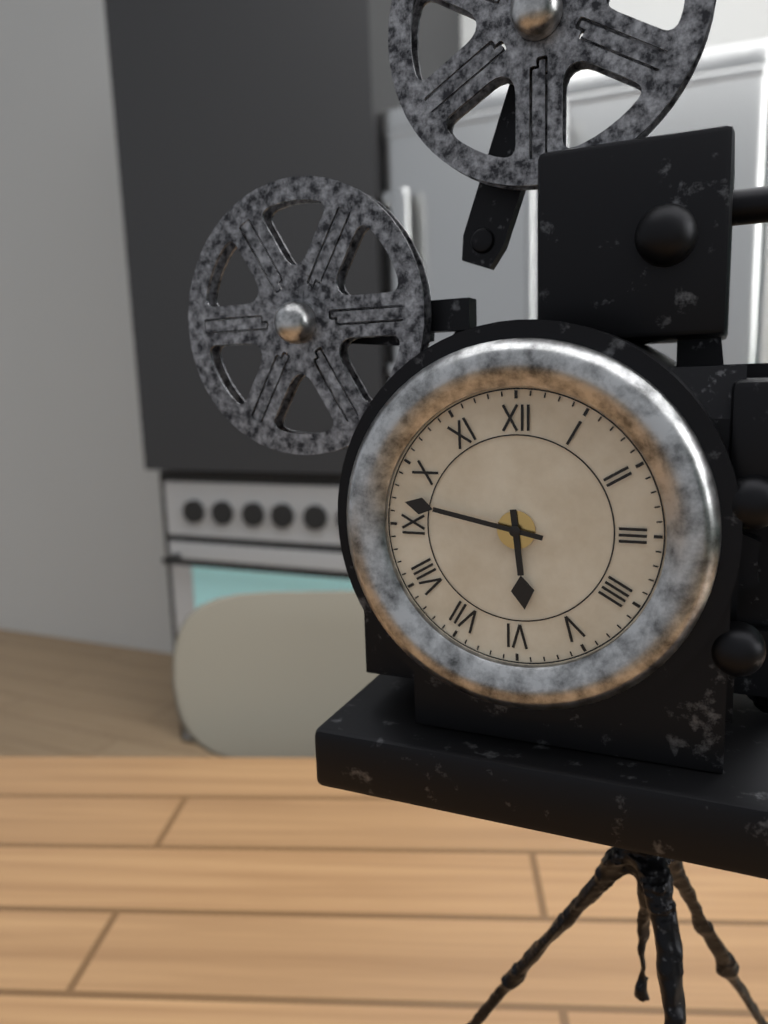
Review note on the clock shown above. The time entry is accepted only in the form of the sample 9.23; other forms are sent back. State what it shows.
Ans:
5.47
